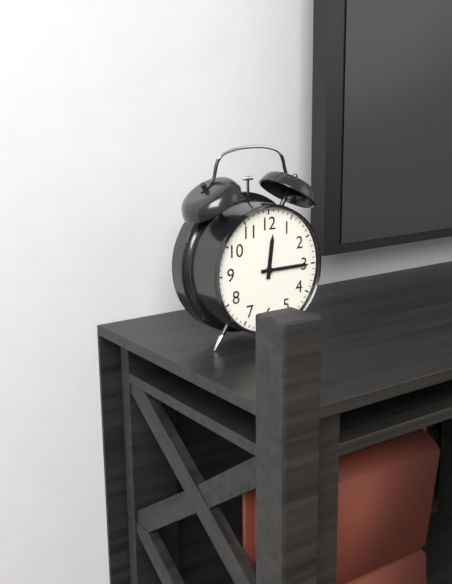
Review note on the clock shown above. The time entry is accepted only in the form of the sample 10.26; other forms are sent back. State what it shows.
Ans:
12.15
